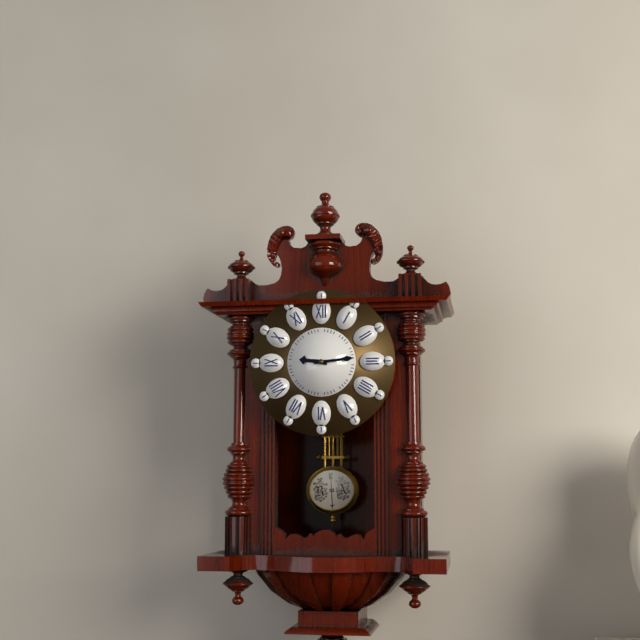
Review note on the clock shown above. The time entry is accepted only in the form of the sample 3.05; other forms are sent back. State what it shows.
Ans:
9.14
